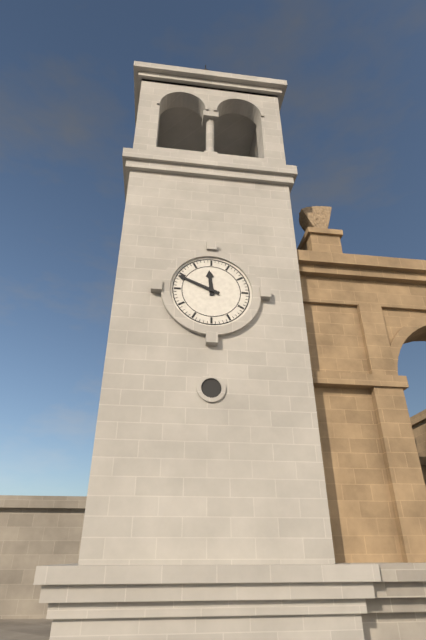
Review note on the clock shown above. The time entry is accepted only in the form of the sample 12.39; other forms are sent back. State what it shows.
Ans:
11.49
